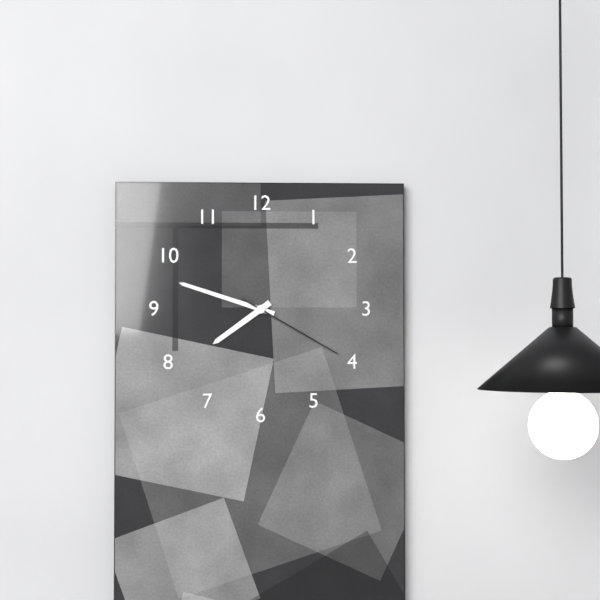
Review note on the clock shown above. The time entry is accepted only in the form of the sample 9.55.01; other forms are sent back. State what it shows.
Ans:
7.48.20
